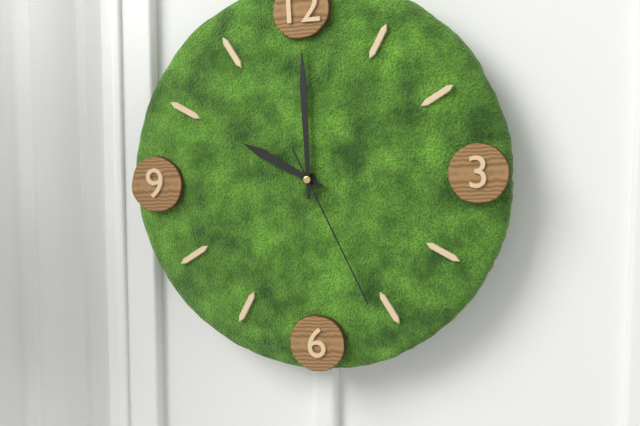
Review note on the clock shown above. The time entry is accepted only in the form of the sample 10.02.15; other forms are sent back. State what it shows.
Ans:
10.00.26
